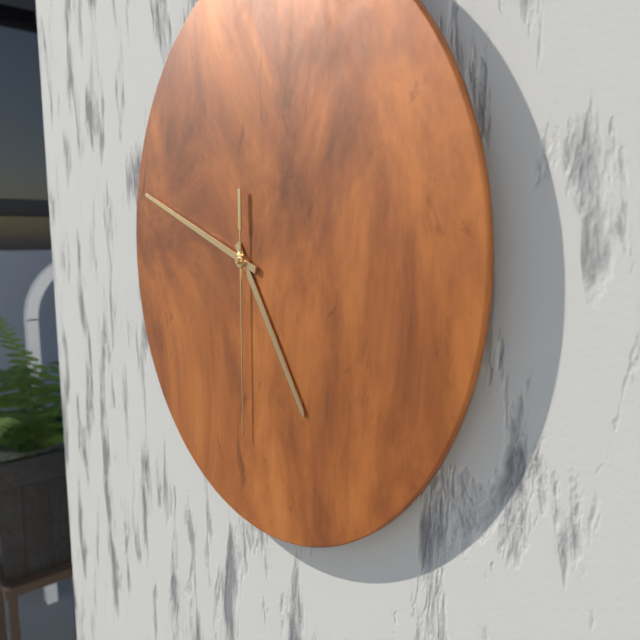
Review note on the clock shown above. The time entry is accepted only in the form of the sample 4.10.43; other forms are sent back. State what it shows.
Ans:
4.48.30
